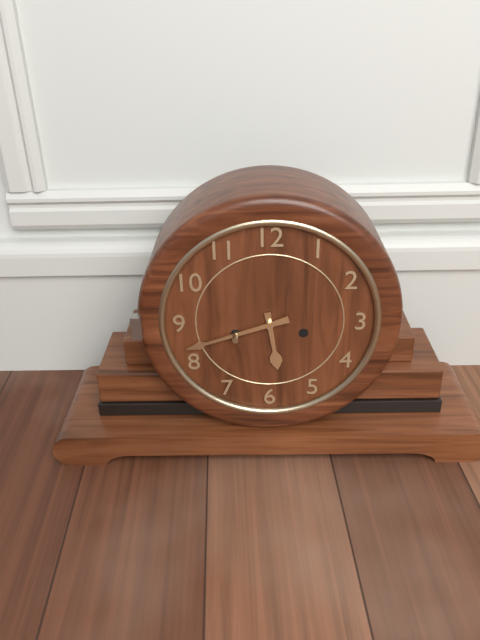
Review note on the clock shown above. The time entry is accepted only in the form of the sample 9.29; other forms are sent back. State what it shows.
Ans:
5.42
